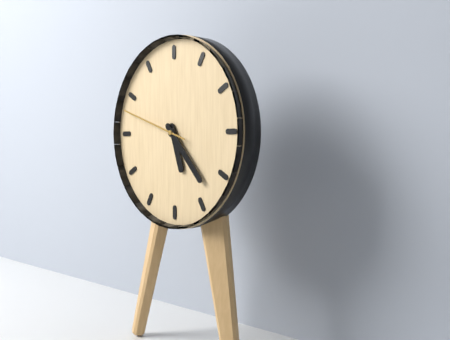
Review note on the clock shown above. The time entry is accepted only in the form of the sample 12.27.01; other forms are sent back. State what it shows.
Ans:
5.23.48
